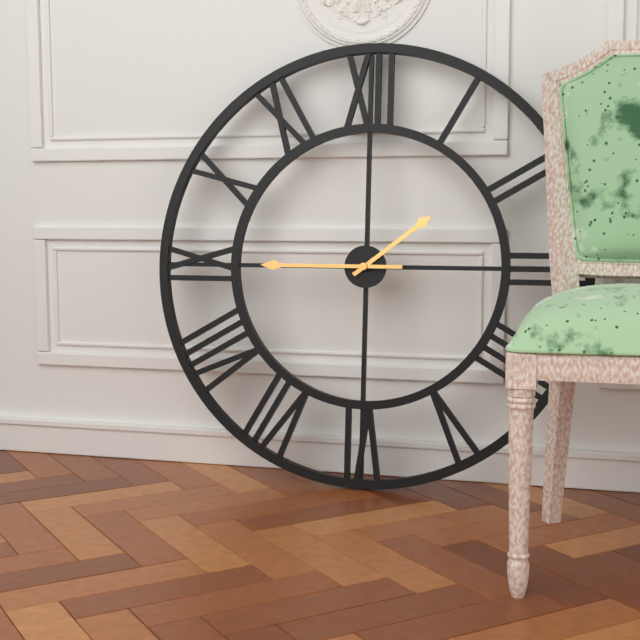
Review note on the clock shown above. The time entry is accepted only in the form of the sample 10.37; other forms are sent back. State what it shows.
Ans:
1.45
